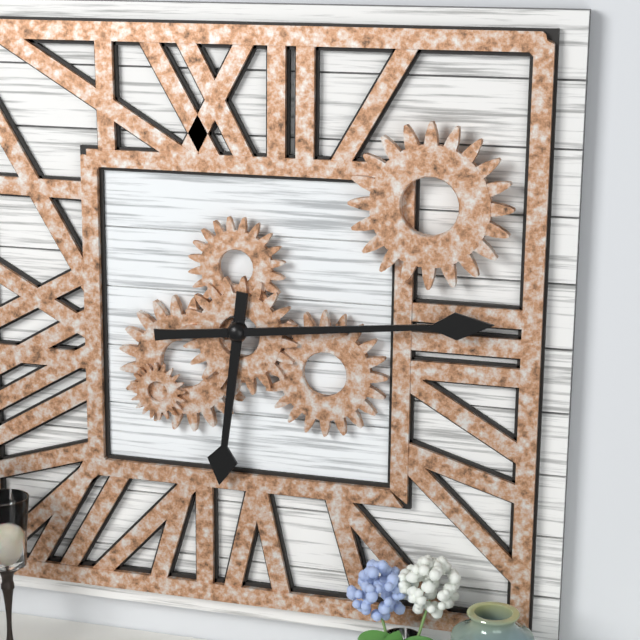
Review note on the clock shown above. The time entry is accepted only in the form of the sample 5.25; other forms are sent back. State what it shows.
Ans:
6.14
